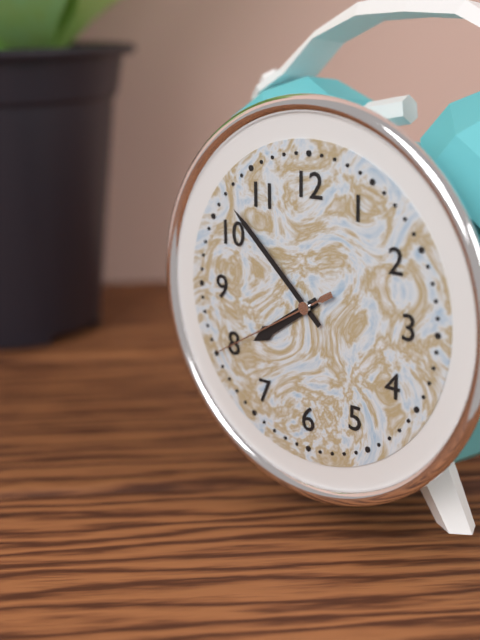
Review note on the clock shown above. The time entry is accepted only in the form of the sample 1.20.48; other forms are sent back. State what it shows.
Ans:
7.52.40
